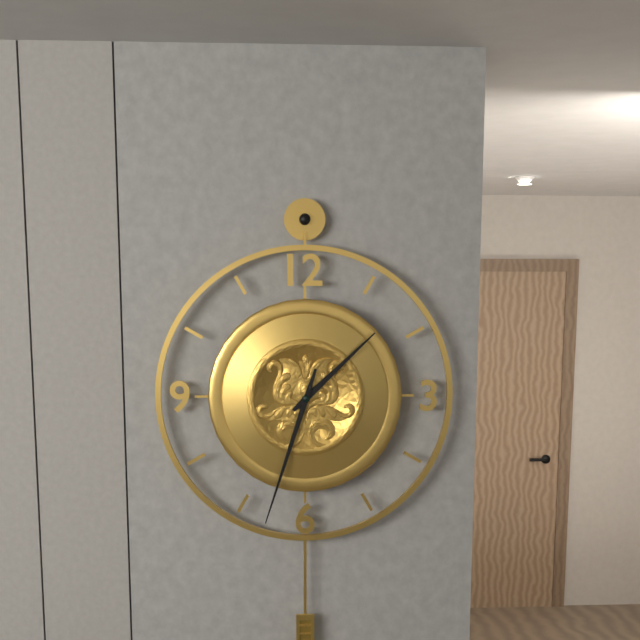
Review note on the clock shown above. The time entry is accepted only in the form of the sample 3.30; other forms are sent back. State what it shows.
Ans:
1.33
